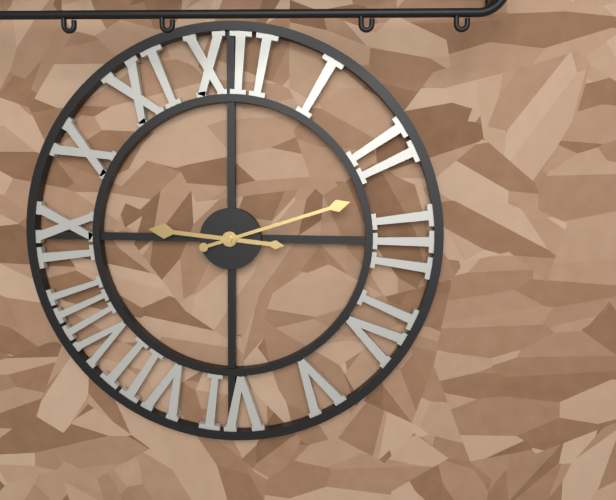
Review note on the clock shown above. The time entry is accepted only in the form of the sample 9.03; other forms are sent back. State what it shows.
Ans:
9.12
